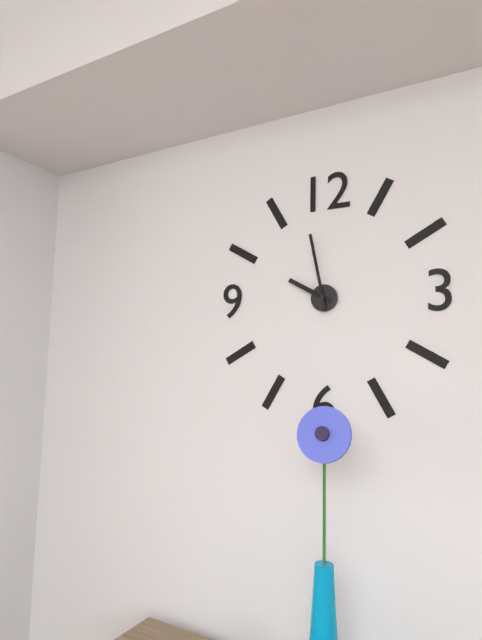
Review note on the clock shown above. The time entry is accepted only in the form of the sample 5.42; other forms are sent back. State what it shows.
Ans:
9.58
